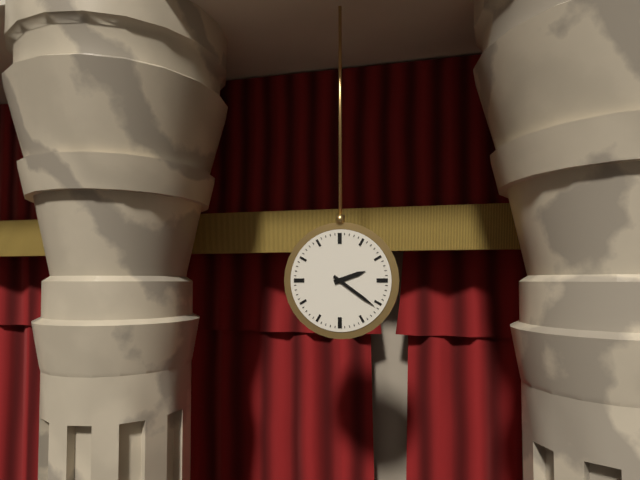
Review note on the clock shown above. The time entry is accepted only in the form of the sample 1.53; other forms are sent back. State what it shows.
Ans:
2.21
